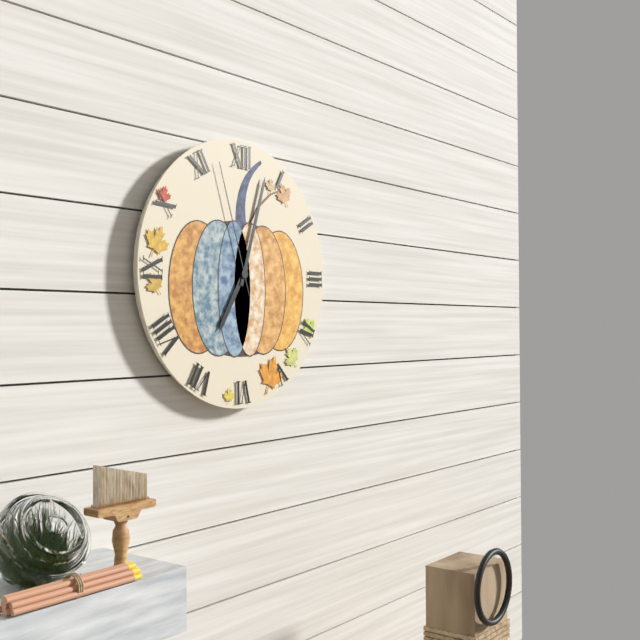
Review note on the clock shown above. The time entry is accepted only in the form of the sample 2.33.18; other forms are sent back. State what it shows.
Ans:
7.03.57
